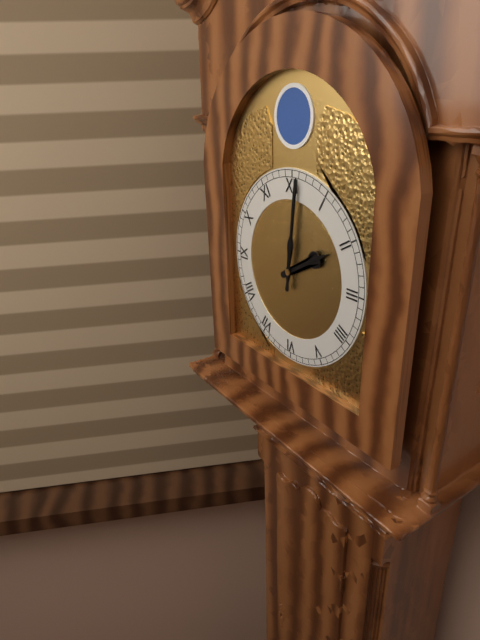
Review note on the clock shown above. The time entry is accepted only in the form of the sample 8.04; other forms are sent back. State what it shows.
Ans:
2.01
